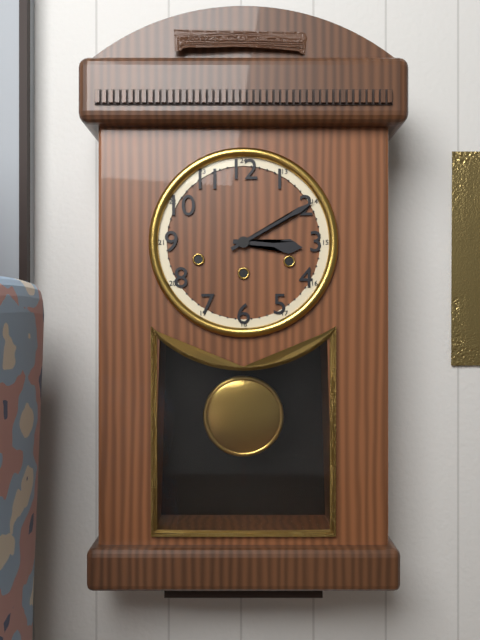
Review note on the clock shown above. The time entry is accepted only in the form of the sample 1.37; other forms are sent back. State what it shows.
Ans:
3.10
